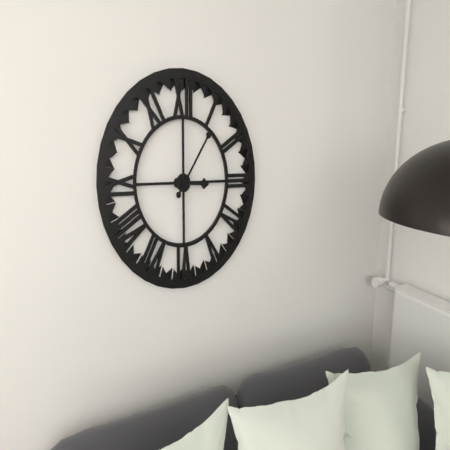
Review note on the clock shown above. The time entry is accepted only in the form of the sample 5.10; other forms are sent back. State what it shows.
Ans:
3.06
